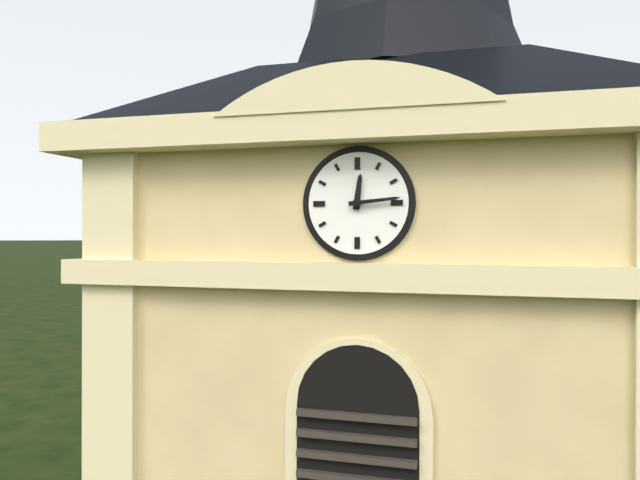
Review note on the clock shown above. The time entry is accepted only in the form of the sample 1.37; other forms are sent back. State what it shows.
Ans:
12.14
